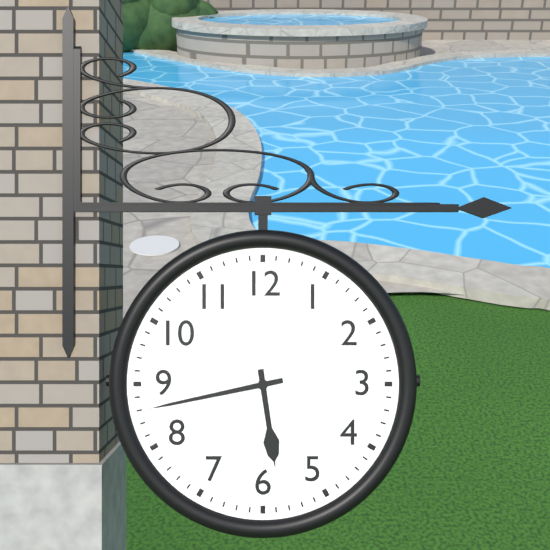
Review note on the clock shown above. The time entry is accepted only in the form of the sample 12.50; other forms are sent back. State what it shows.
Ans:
5.43
